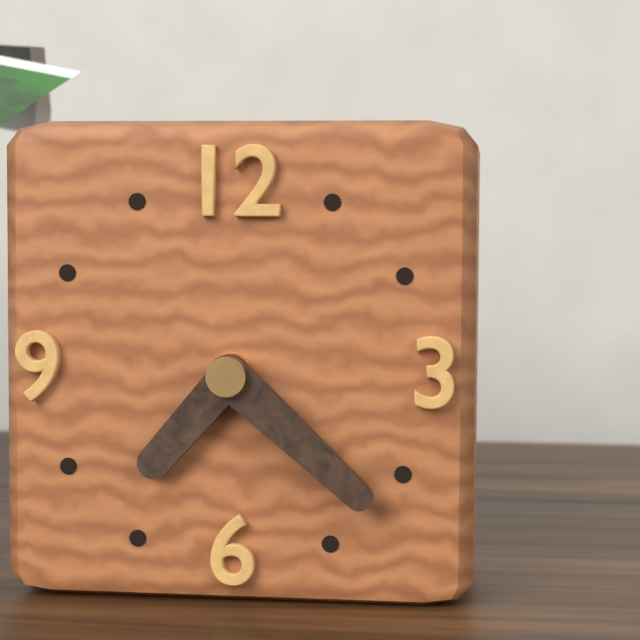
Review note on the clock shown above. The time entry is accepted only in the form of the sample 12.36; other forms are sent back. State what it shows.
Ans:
7.22
